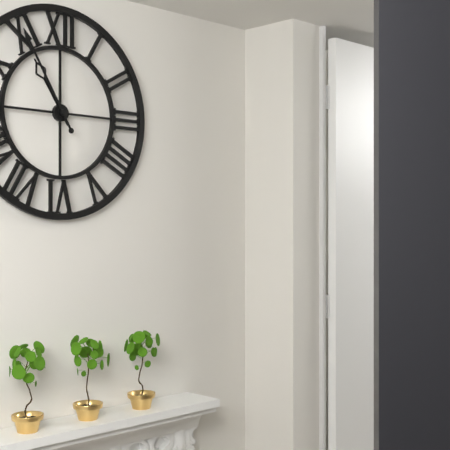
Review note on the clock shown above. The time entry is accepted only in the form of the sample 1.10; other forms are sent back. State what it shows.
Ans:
10.55
